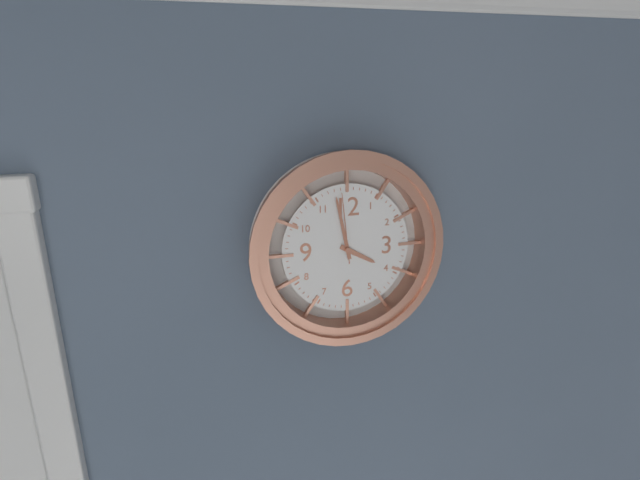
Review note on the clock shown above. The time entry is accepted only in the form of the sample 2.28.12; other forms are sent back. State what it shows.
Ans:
3.58.59
